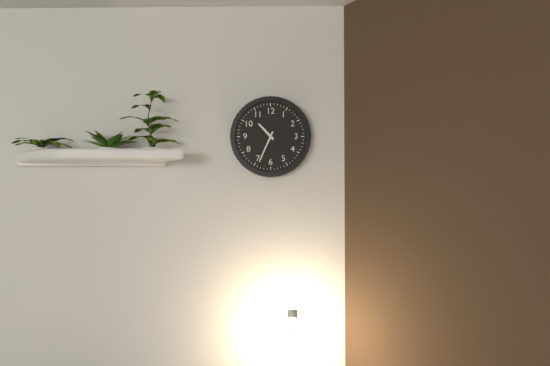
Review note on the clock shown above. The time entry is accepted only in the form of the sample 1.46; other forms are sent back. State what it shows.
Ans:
10.34
